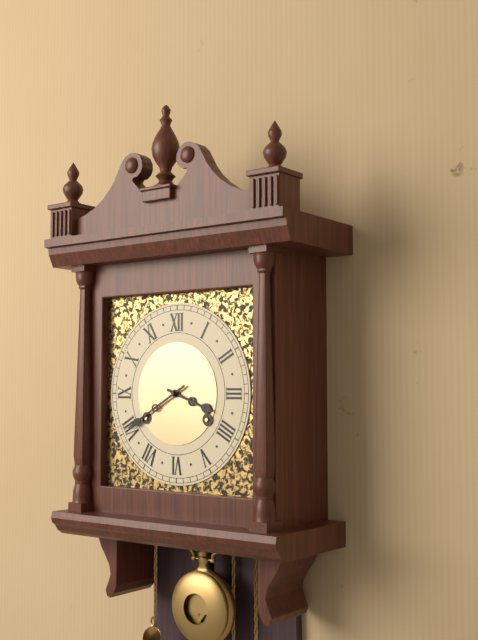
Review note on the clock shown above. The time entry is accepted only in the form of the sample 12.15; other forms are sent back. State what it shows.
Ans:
3.40
